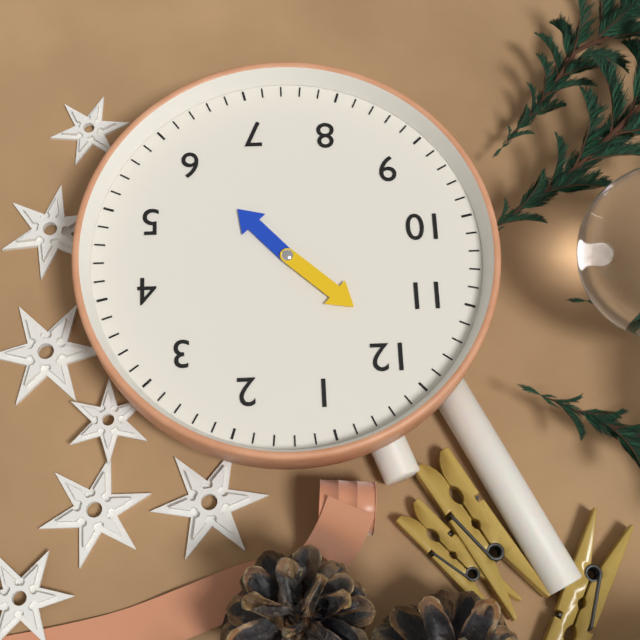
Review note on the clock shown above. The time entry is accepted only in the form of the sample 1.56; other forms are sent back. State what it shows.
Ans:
5.59
